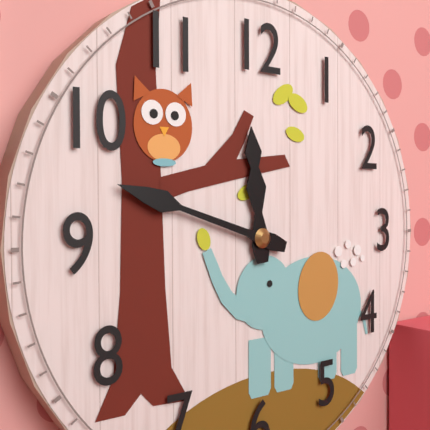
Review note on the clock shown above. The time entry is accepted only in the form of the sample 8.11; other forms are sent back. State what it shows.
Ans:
11.48
